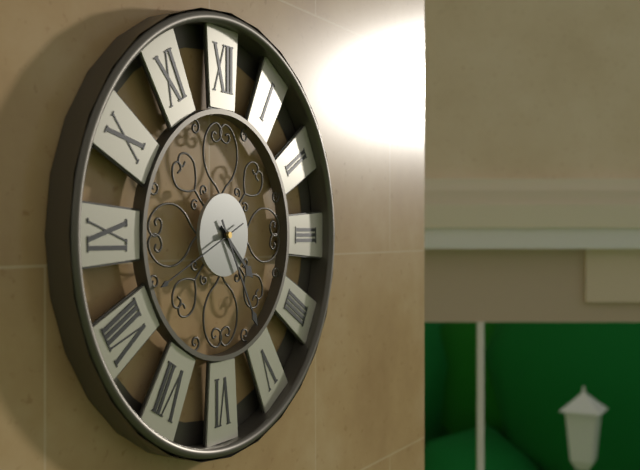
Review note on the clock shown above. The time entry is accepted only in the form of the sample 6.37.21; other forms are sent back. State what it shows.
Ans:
4.25.41
